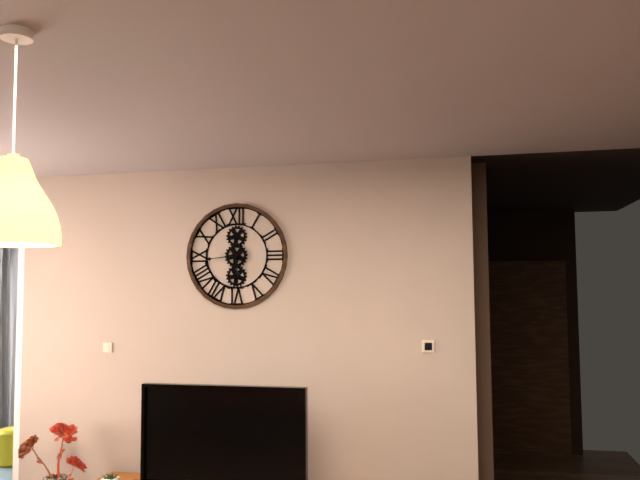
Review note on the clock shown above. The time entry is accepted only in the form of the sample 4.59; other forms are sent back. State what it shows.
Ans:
5.44
